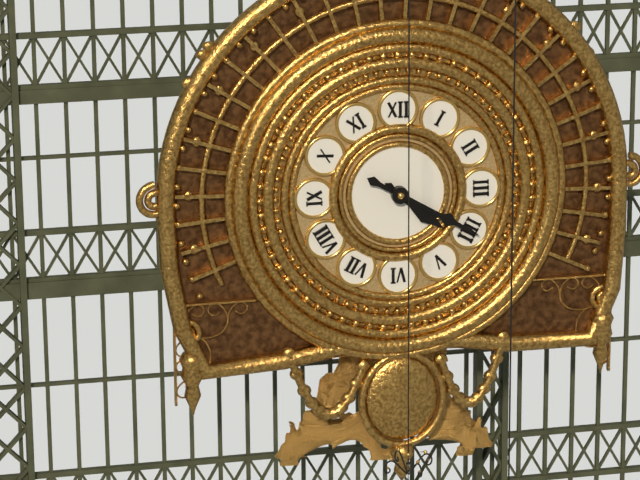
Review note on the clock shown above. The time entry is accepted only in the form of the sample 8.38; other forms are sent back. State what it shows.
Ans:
4.20
